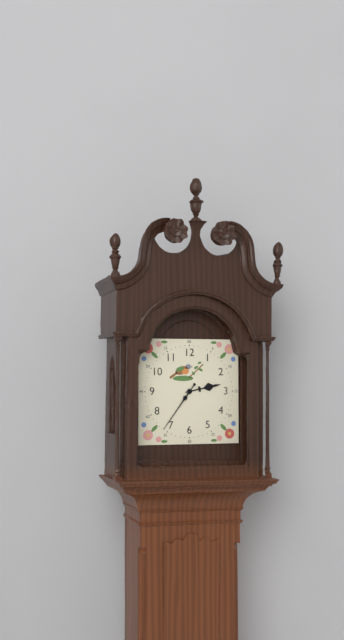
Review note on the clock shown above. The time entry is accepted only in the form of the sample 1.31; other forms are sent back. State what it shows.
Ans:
2.36
